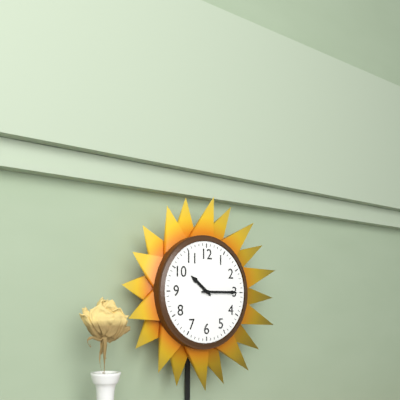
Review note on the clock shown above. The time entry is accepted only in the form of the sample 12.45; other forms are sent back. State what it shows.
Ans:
10.15
